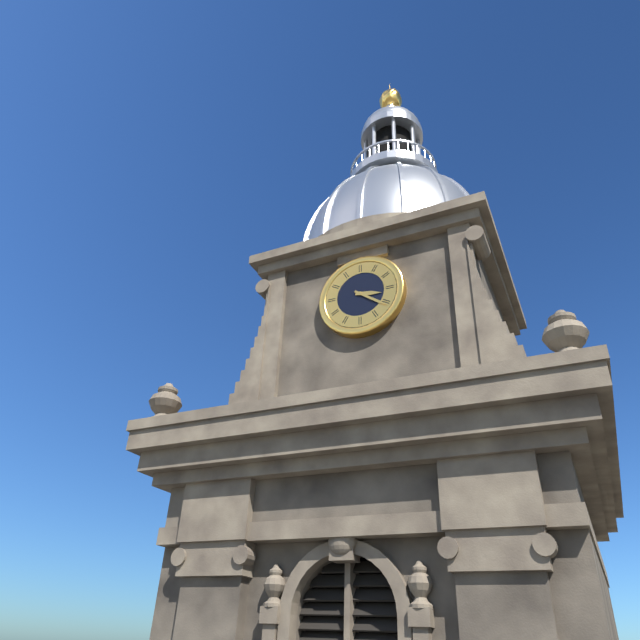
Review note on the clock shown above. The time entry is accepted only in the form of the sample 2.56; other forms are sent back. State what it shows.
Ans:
3.21
